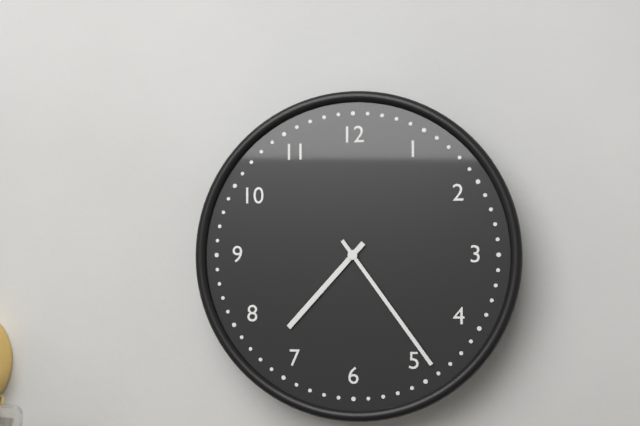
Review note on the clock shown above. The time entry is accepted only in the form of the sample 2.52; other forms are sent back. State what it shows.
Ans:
7.24
